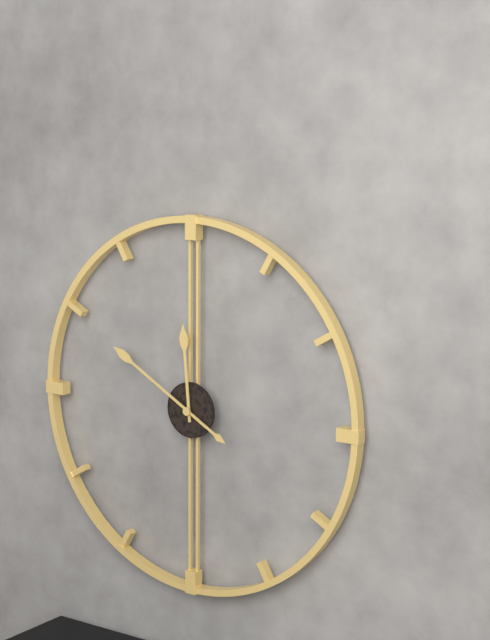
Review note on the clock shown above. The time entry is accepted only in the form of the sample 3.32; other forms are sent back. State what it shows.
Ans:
11.50
